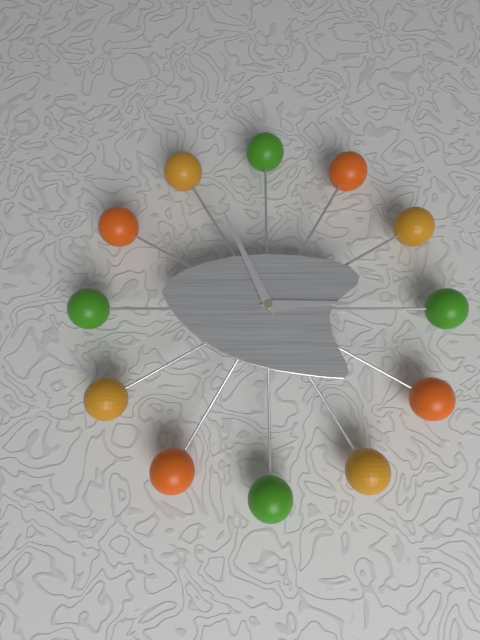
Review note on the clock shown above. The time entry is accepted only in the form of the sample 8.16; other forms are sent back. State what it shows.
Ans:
2.56
